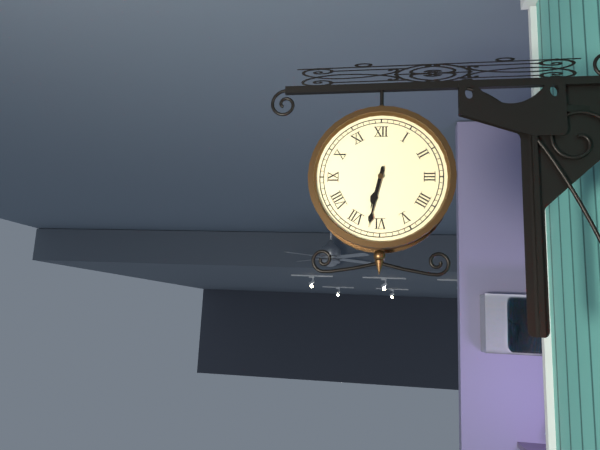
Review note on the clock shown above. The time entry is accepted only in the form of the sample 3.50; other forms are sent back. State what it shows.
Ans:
6.32
